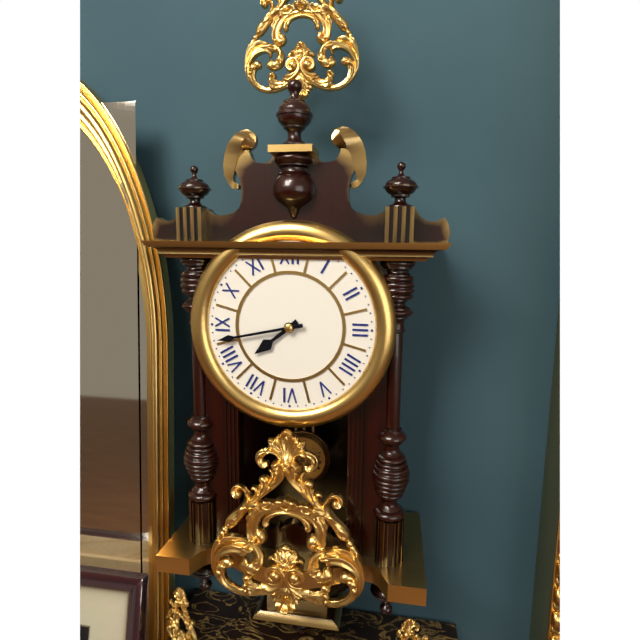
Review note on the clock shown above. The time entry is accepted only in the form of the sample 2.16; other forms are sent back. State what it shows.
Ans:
7.43
